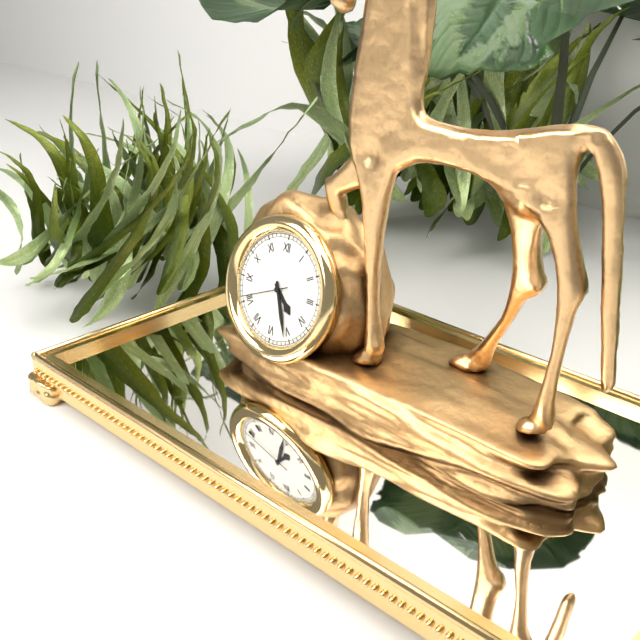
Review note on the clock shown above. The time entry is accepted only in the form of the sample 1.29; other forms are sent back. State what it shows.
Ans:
4.26
